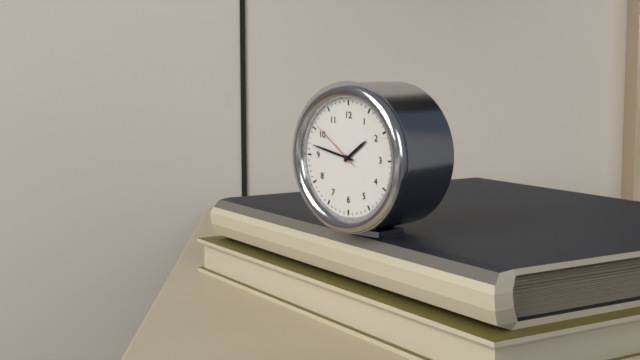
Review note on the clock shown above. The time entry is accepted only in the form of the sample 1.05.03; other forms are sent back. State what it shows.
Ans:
1.47.51
